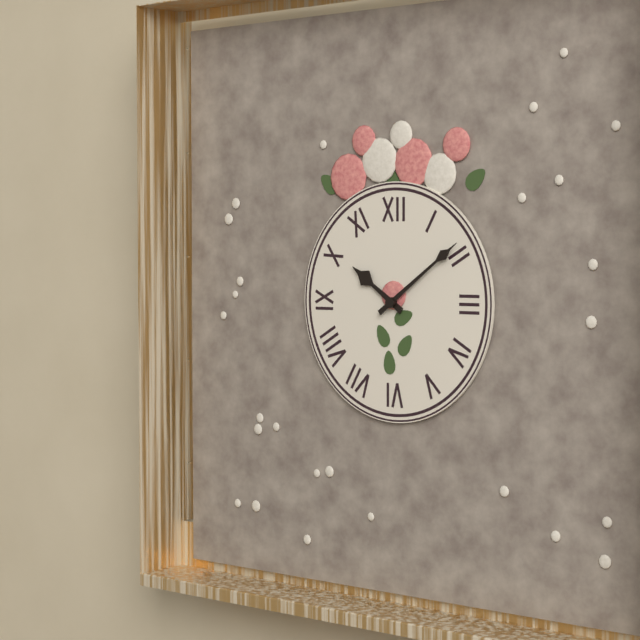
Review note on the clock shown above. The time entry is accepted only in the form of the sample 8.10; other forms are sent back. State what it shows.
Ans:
10.09
